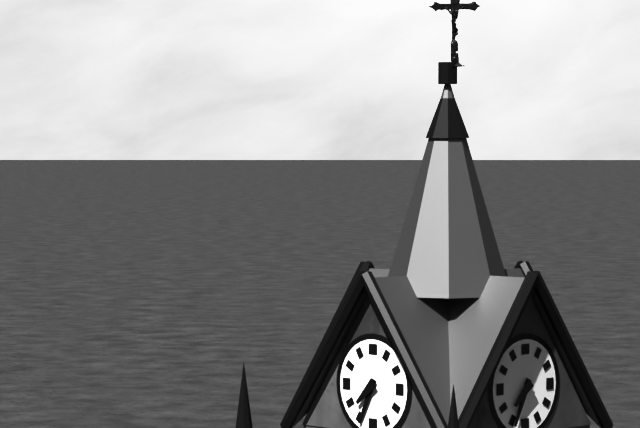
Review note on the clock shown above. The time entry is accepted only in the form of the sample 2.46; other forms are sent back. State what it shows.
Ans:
7.34
